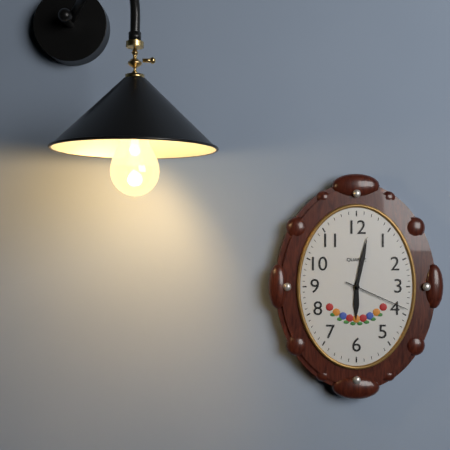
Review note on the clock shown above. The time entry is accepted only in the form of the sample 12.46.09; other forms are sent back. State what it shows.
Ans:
6.02.19
